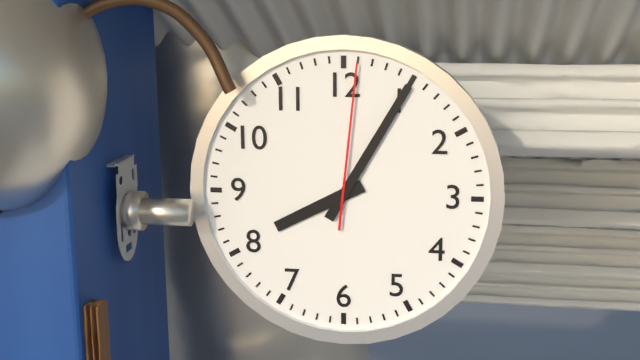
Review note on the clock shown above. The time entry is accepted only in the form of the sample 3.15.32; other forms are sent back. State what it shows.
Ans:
8.05.01
